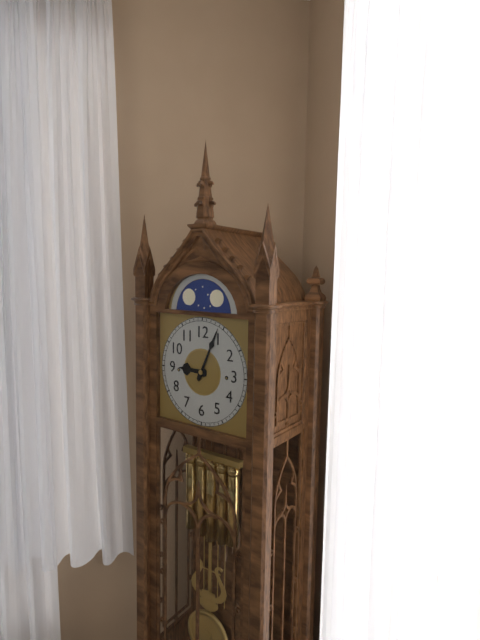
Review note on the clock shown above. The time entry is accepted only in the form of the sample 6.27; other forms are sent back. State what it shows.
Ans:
9.04
